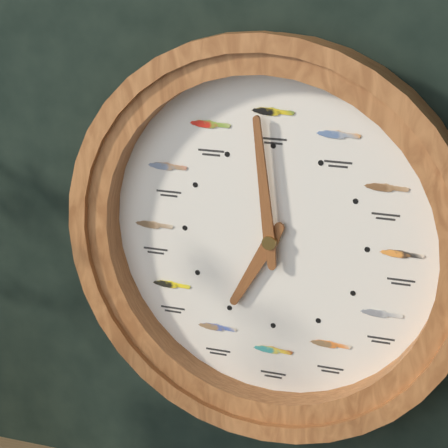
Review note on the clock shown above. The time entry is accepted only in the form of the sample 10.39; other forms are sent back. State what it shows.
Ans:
6.59
